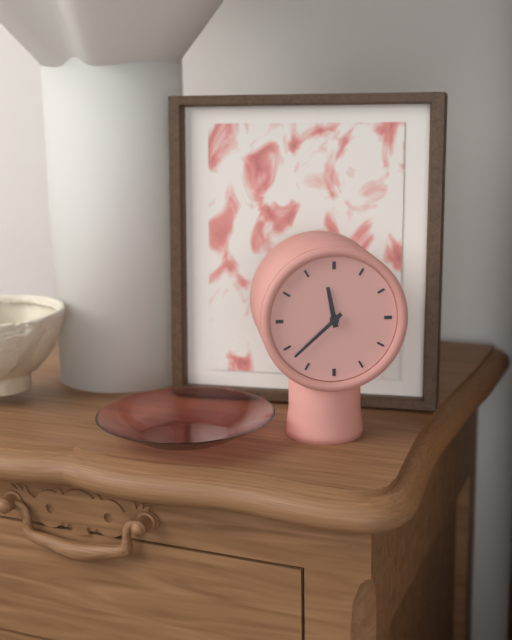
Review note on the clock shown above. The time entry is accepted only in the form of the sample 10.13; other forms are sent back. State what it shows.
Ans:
11.38
